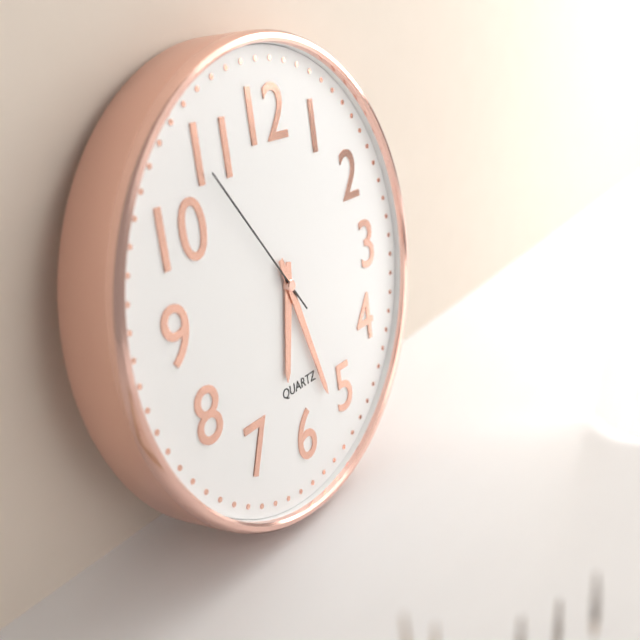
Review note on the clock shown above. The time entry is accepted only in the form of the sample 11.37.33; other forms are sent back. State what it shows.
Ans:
6.27.54
